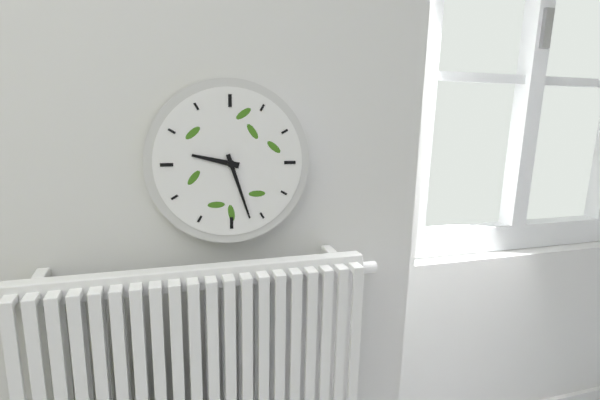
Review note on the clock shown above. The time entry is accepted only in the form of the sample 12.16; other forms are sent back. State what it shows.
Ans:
9.27
